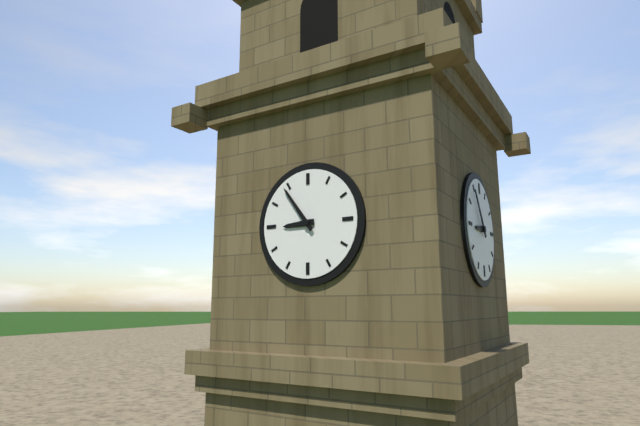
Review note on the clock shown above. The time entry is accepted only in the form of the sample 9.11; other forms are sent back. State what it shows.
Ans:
8.54
